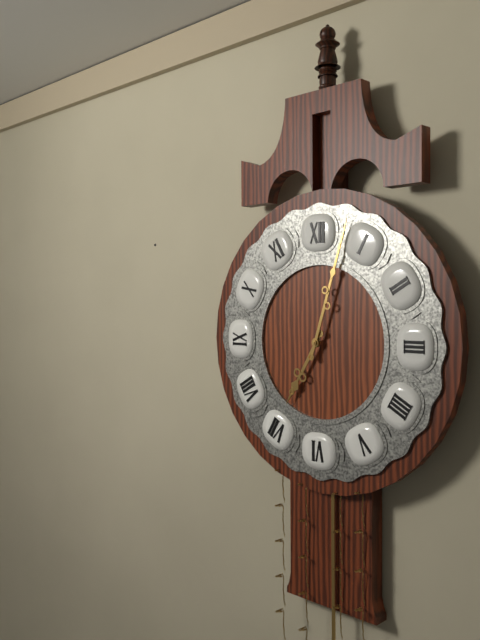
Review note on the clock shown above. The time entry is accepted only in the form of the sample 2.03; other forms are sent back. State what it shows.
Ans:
7.03
